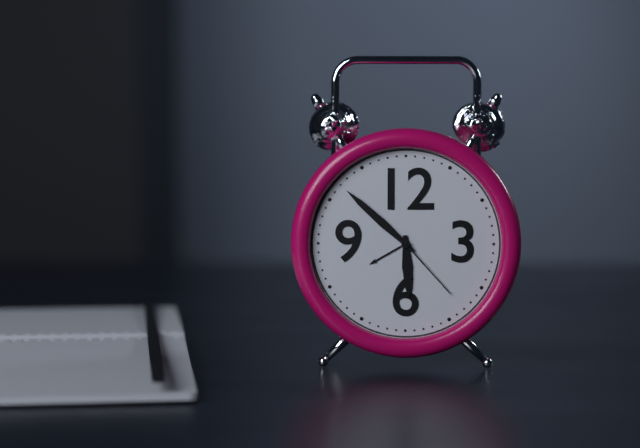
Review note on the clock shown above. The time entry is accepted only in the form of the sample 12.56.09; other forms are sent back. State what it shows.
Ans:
5.52.23
